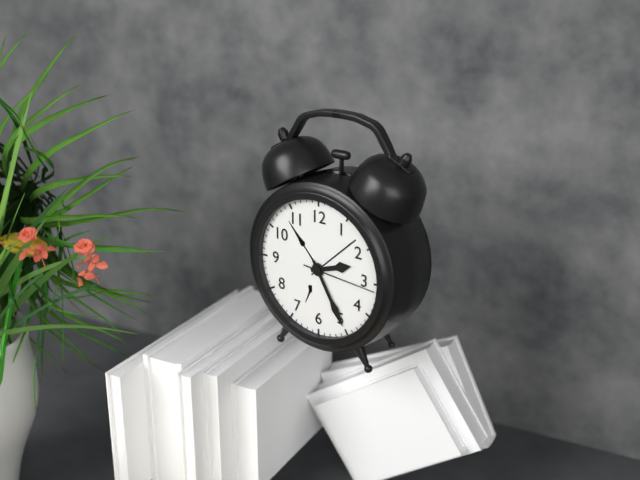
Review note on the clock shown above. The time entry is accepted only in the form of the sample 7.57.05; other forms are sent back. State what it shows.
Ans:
2.25.16
